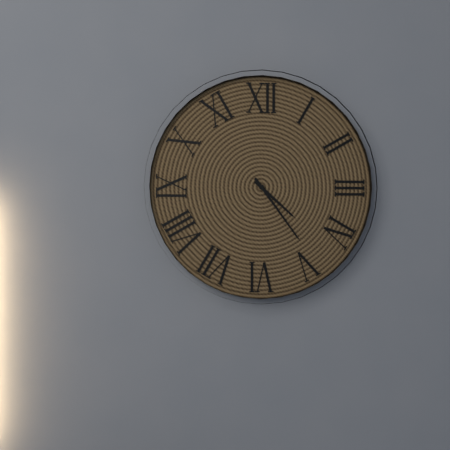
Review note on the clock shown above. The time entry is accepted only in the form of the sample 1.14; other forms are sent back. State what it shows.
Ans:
4.24
